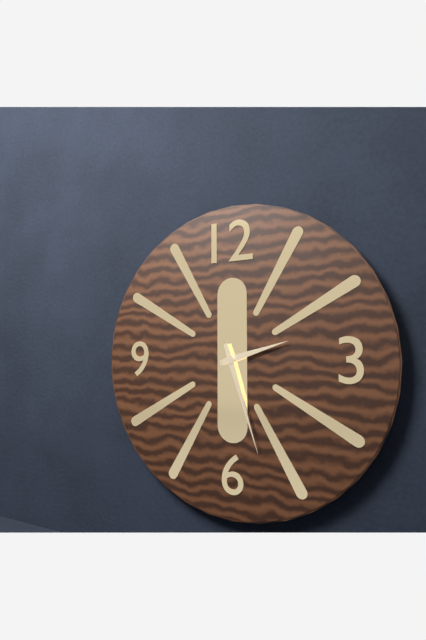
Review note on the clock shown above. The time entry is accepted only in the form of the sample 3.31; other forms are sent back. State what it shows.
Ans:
2.27
